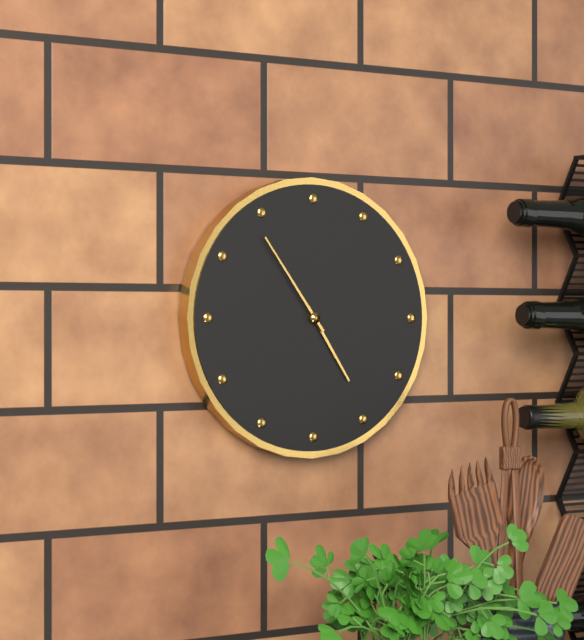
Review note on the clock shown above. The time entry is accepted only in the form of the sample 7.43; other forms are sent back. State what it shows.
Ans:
4.54
